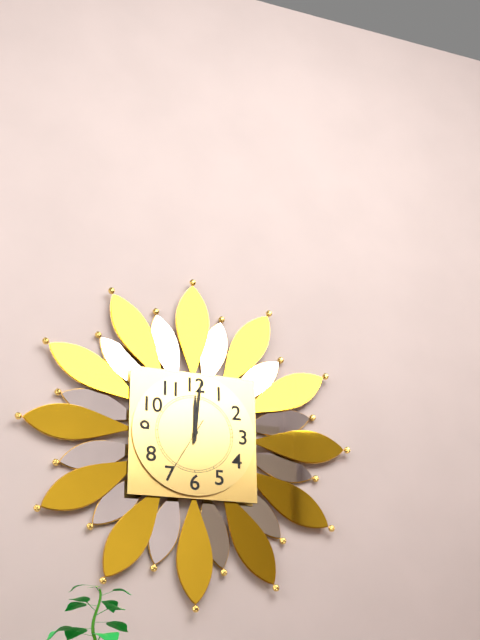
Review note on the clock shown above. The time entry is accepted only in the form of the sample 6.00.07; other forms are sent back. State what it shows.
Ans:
12.01.35
